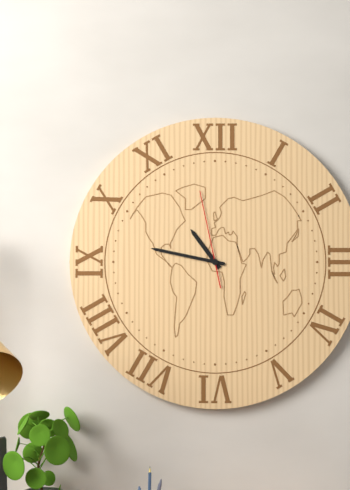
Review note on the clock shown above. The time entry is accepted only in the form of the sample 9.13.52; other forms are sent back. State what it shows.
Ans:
10.47.58
